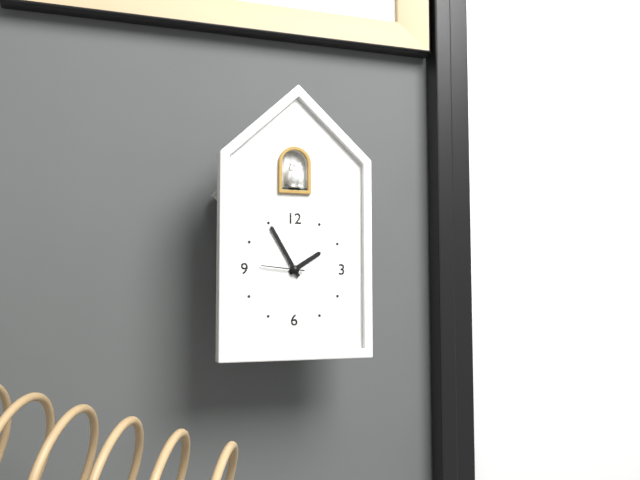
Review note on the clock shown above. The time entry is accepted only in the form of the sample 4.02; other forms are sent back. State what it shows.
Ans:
1.55
